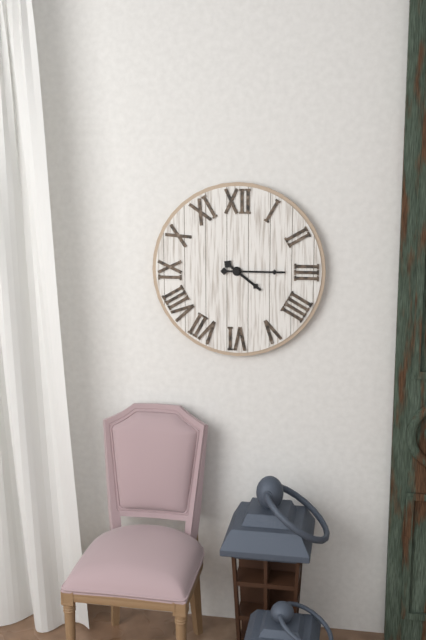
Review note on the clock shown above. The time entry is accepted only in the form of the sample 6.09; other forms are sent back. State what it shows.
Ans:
4.15
